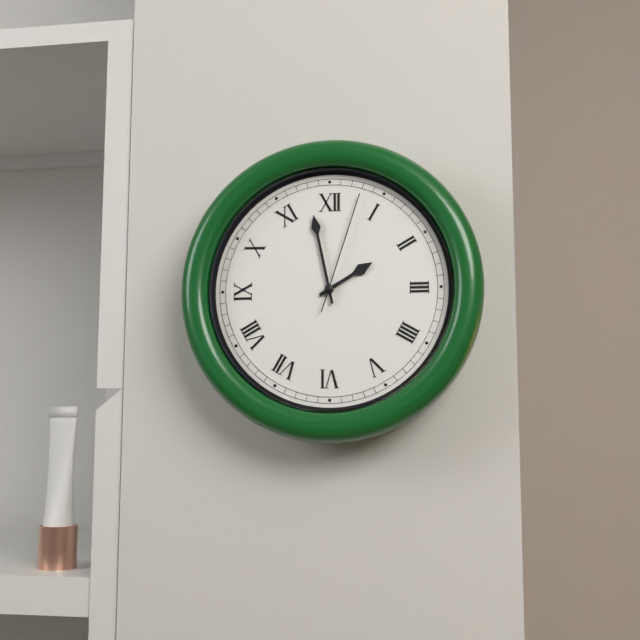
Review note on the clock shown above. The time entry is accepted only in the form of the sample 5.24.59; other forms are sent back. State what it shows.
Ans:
1.58.03
